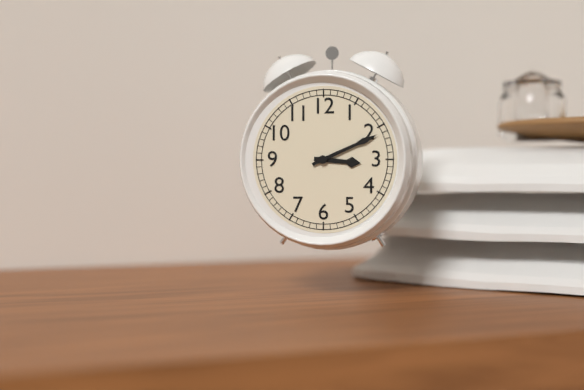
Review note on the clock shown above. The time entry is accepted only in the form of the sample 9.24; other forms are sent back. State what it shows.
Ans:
3.11
